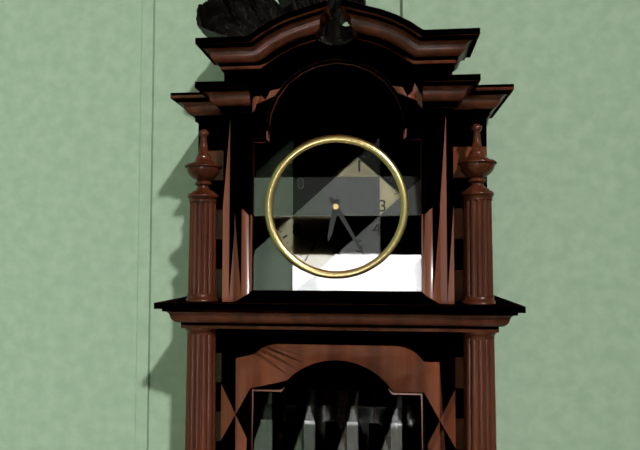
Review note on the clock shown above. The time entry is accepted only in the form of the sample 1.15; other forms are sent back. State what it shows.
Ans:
6.25
